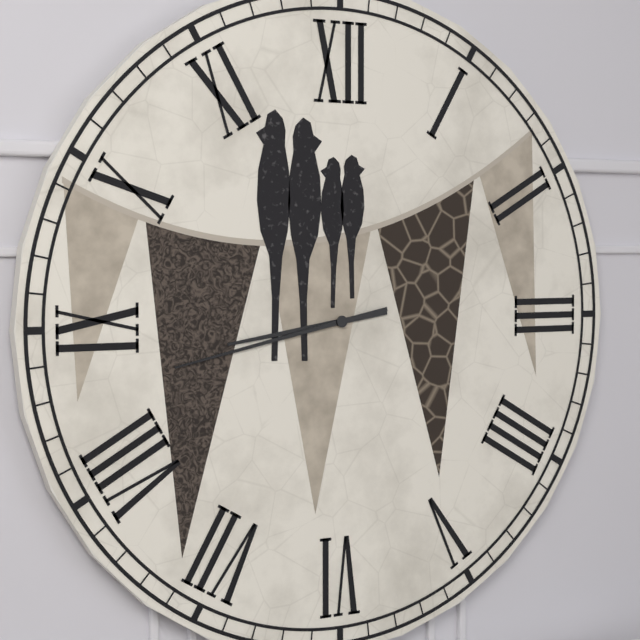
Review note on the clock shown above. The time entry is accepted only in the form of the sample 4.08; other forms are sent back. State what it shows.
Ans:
8.43
